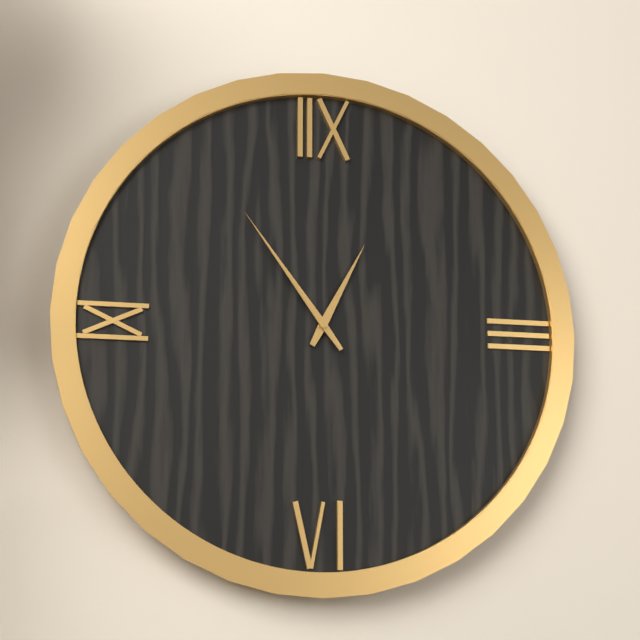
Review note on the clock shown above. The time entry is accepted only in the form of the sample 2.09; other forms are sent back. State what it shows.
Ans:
12.54
